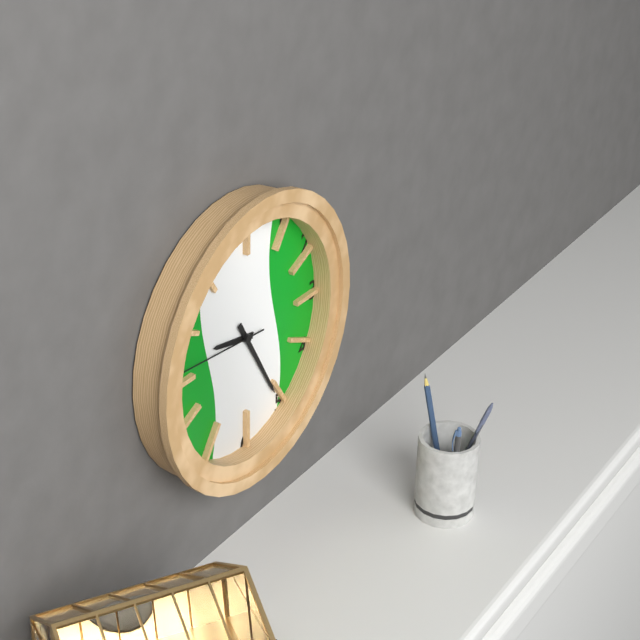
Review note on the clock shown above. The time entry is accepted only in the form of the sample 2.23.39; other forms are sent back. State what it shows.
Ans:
9.25.46
